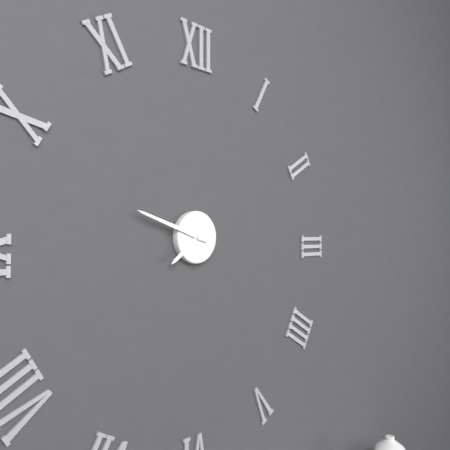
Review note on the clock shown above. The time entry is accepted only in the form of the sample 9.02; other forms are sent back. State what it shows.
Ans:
7.48
